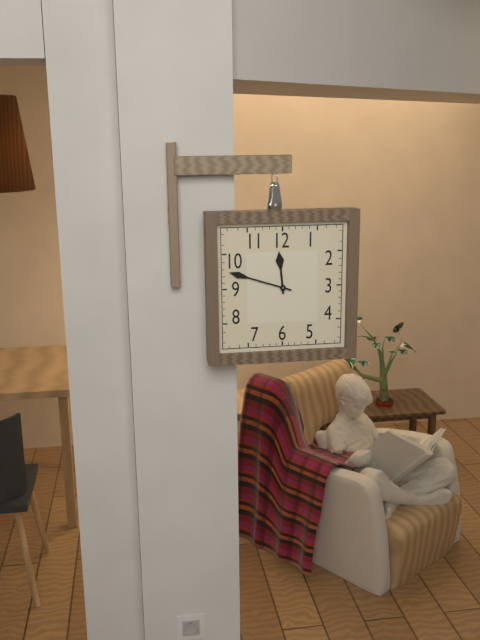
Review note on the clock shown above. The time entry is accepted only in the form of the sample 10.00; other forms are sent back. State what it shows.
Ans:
11.48
